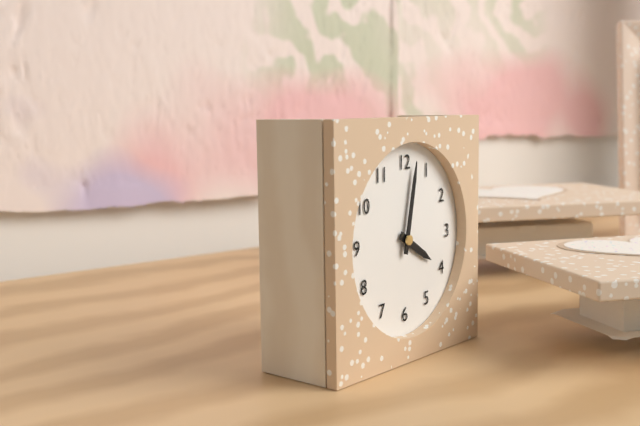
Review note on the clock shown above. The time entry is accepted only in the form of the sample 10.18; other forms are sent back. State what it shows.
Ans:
4.02
